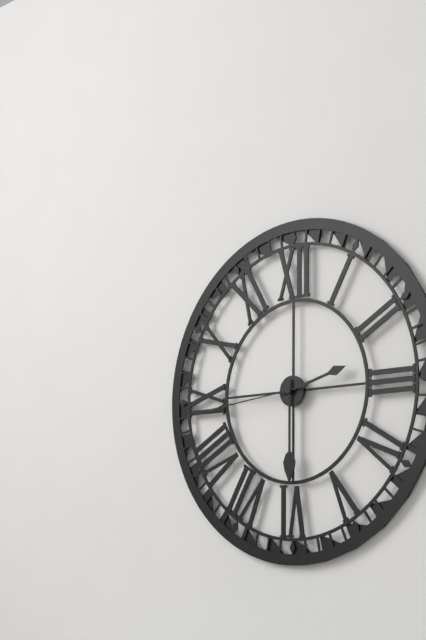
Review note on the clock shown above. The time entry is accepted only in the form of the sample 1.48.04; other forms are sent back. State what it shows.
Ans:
2.30.44
